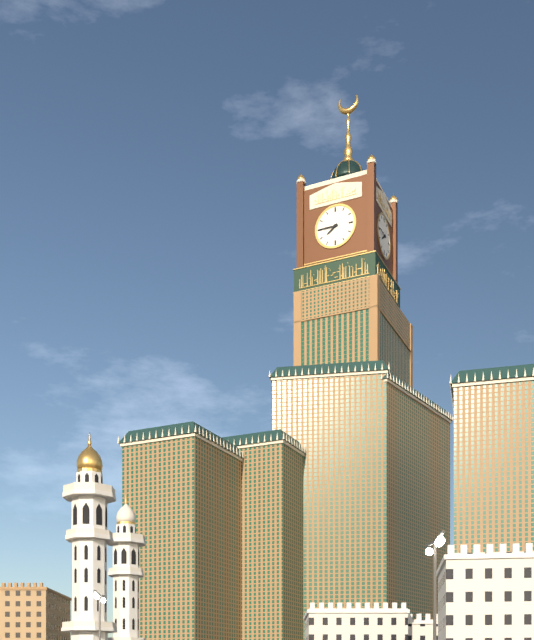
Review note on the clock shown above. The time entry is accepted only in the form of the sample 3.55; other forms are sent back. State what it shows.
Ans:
7.45
